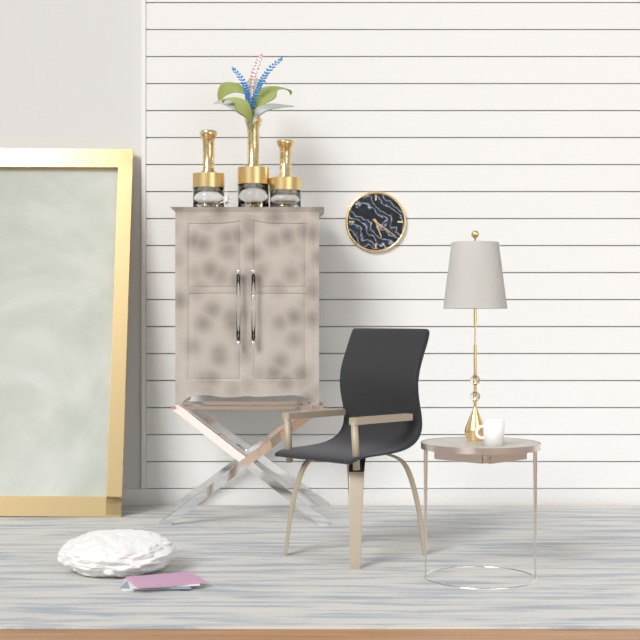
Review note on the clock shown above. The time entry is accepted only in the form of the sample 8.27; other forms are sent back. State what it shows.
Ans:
5.21
